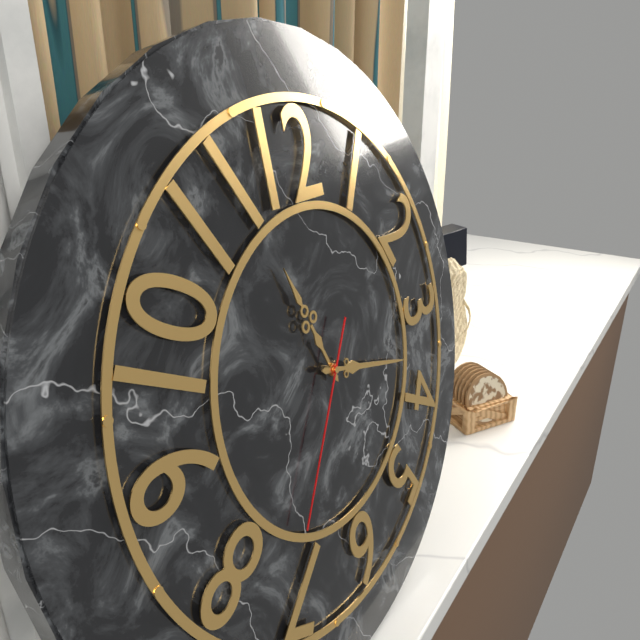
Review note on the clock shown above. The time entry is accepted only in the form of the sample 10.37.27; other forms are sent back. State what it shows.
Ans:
11.18.36
